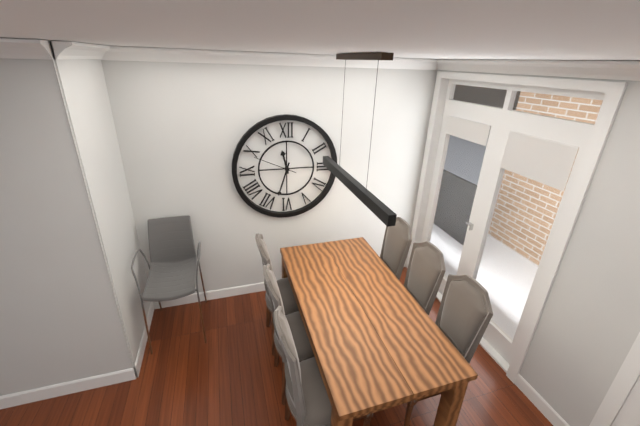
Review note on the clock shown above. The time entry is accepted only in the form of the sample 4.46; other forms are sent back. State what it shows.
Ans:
11.33
